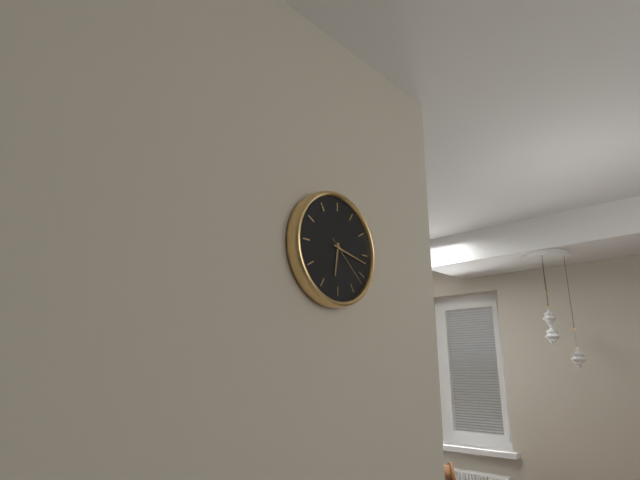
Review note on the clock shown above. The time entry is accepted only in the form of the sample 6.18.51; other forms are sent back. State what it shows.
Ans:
6.17.22
